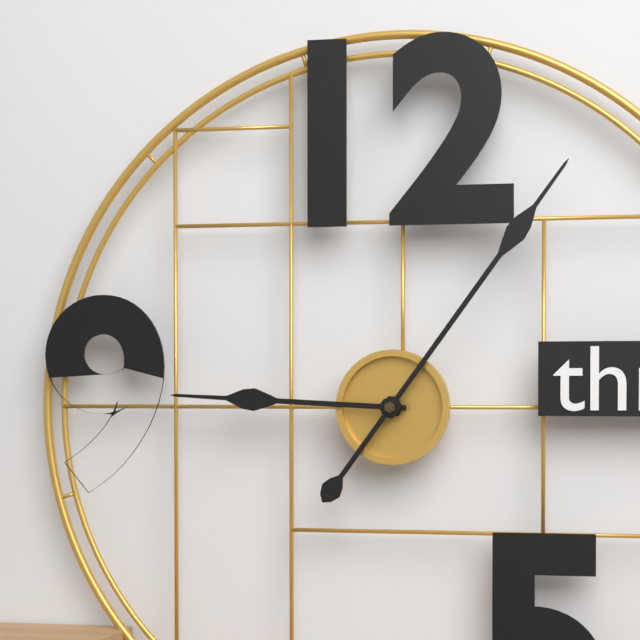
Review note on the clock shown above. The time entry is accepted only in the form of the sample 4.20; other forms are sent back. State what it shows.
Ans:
9.06
